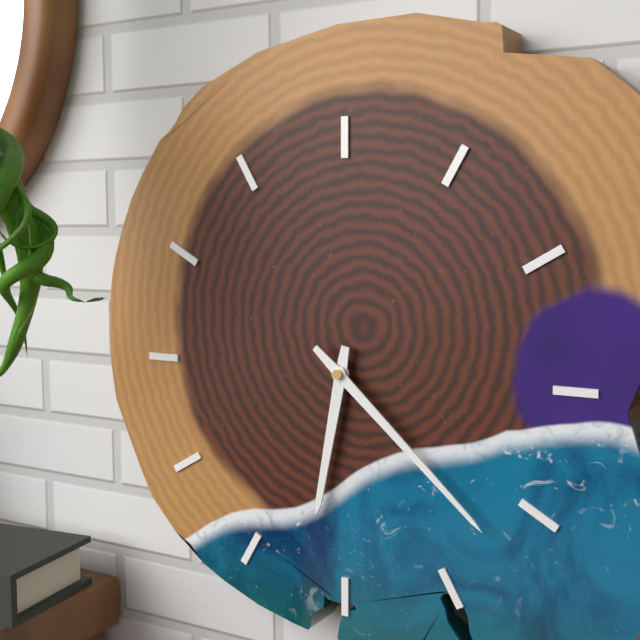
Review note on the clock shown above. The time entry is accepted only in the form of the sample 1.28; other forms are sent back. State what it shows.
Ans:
6.22
